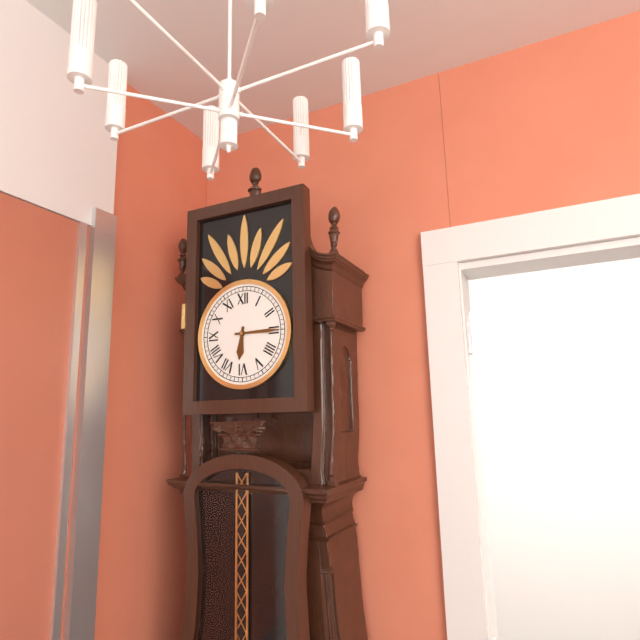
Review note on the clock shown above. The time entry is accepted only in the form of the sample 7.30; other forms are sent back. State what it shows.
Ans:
6.15
